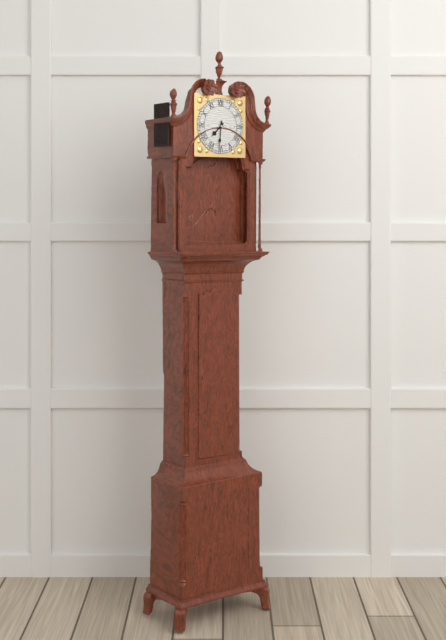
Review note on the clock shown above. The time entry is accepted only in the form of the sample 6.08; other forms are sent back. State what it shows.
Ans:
7.31
